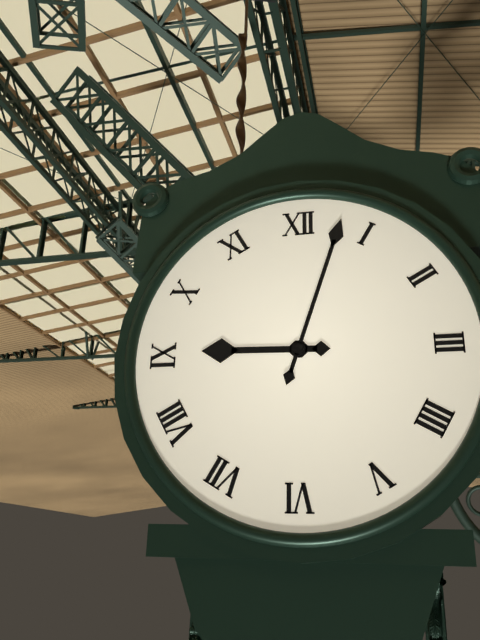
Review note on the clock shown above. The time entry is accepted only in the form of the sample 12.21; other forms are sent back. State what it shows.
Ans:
9.03
